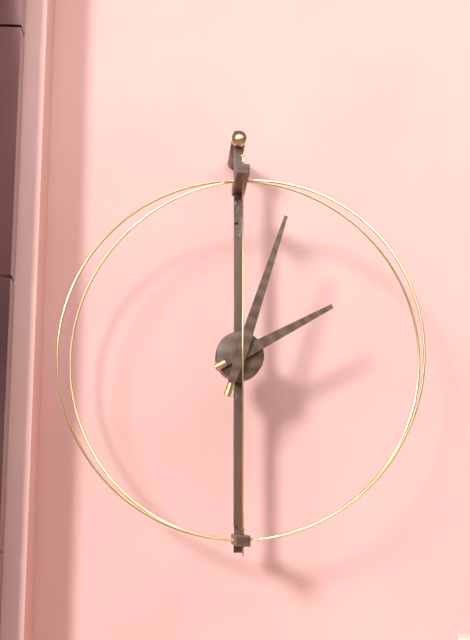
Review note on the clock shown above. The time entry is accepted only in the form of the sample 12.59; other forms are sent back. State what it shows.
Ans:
2.03
